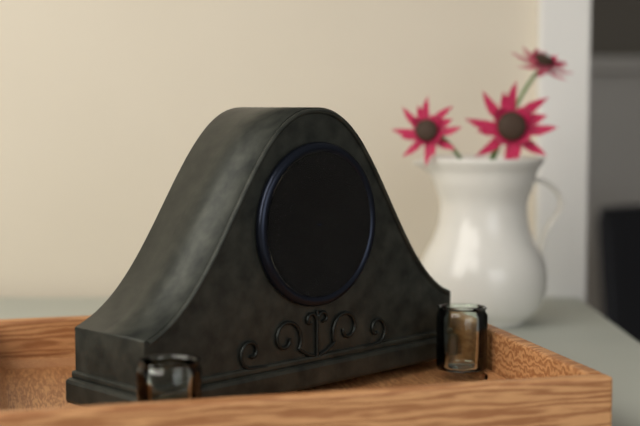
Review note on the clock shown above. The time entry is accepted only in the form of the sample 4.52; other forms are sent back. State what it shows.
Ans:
10.59
